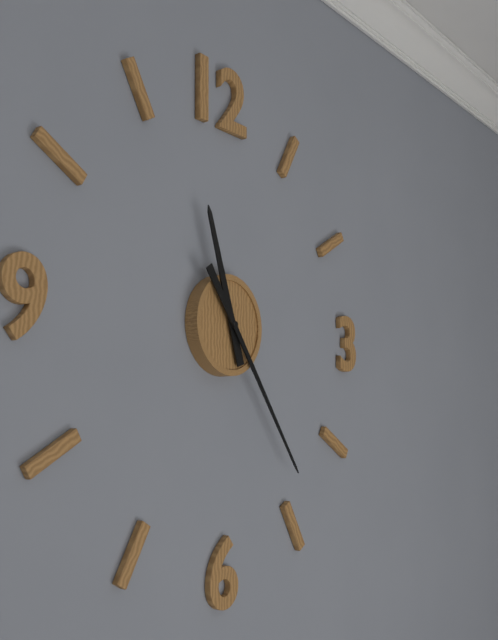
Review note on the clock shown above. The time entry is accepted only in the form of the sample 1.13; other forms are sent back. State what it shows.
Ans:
11.24
